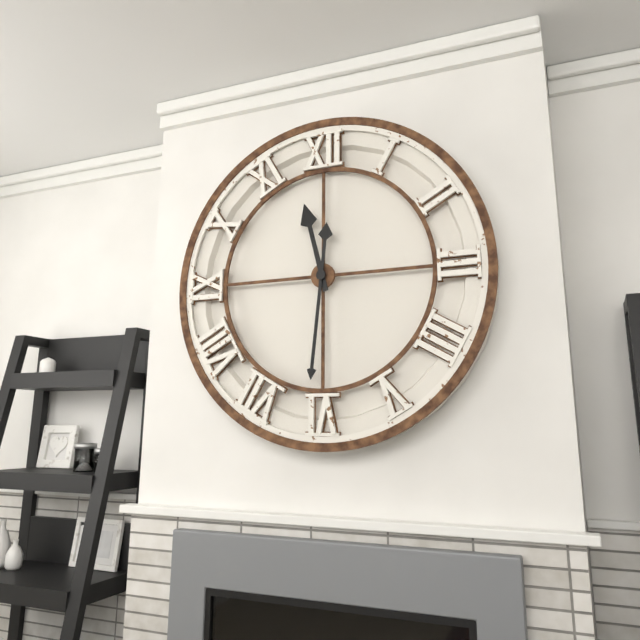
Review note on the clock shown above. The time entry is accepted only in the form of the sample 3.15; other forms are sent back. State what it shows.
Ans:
11.31
